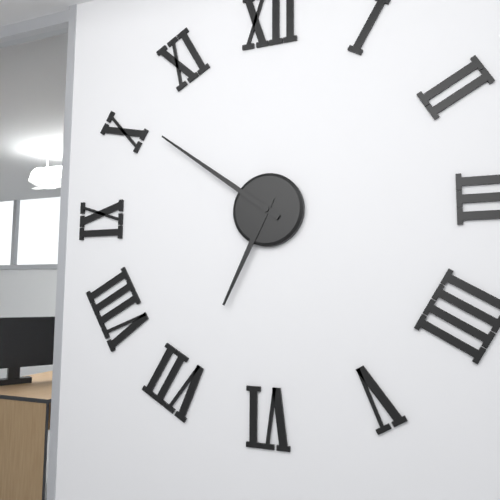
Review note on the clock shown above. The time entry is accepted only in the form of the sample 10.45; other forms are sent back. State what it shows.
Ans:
6.51
